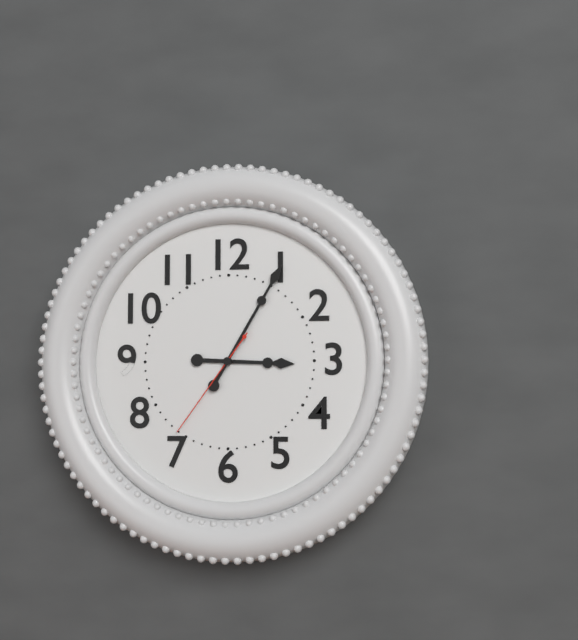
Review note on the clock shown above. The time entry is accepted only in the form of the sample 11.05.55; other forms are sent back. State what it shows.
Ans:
3.05.36
